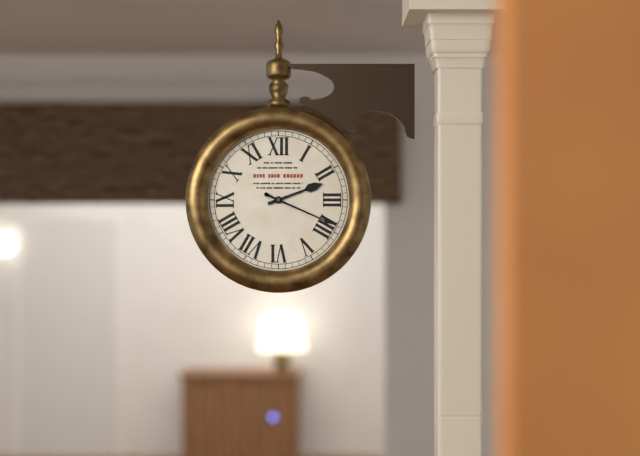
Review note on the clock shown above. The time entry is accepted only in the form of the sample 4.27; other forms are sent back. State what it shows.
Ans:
2.19
